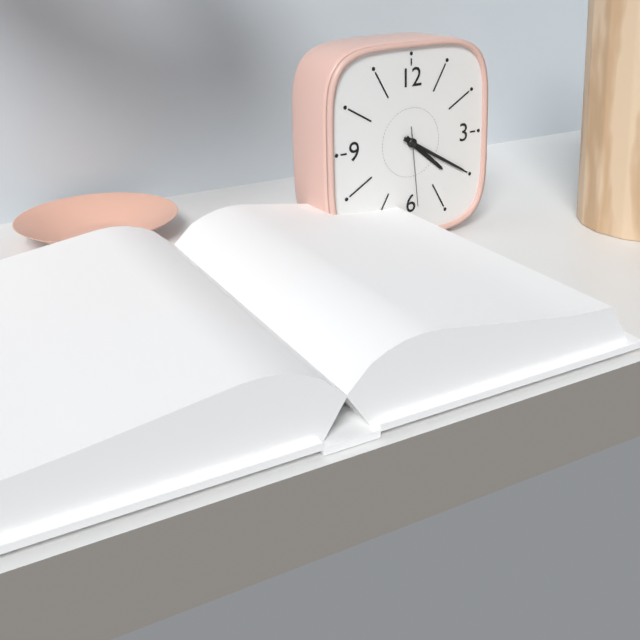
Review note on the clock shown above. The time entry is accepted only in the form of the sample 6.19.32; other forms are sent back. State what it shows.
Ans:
4.20.29
